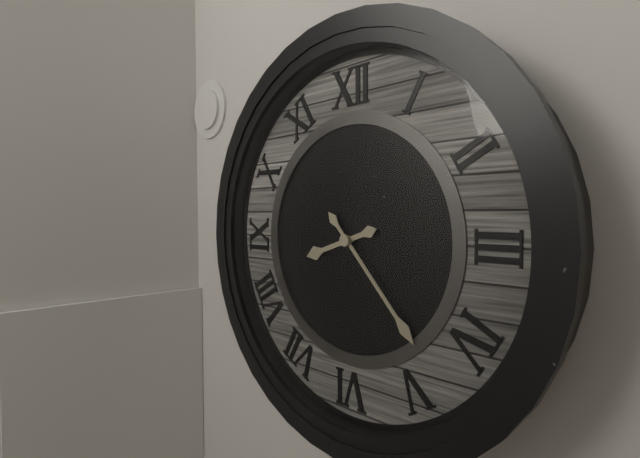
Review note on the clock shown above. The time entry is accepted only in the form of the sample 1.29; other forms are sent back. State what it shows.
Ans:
8.23
